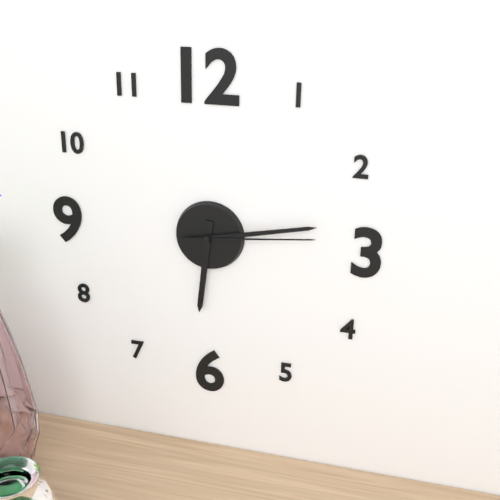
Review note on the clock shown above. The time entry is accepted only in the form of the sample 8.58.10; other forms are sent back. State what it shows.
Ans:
6.13.14
